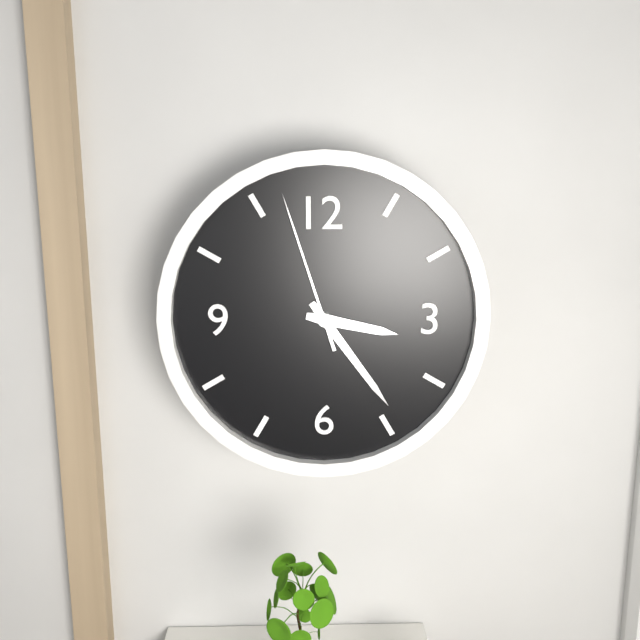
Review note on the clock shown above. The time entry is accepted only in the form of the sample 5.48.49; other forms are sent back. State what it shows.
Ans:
3.24.57
